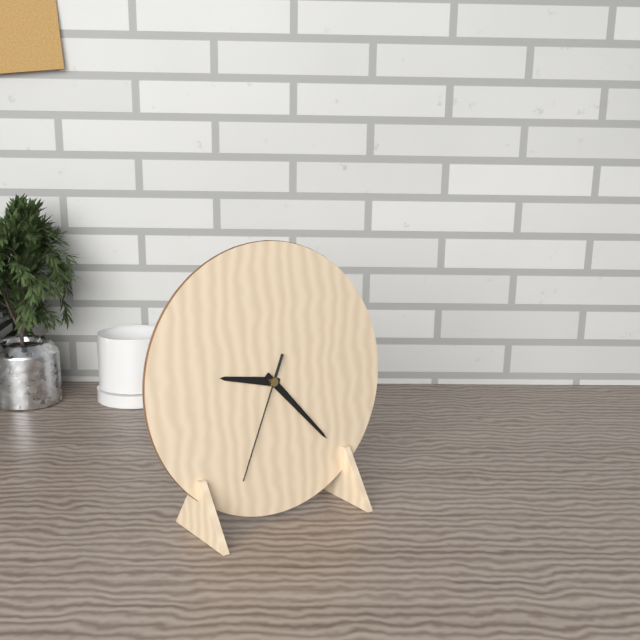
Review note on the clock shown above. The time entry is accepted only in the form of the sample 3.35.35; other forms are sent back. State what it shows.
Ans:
9.23.34
